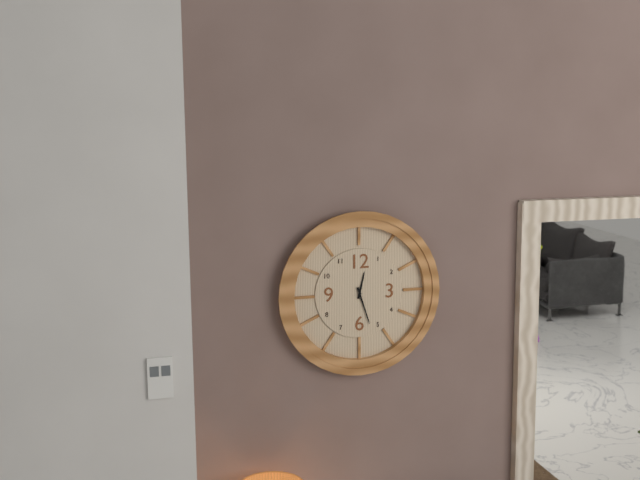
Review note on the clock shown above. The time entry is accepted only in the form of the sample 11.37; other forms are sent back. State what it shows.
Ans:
12.27
